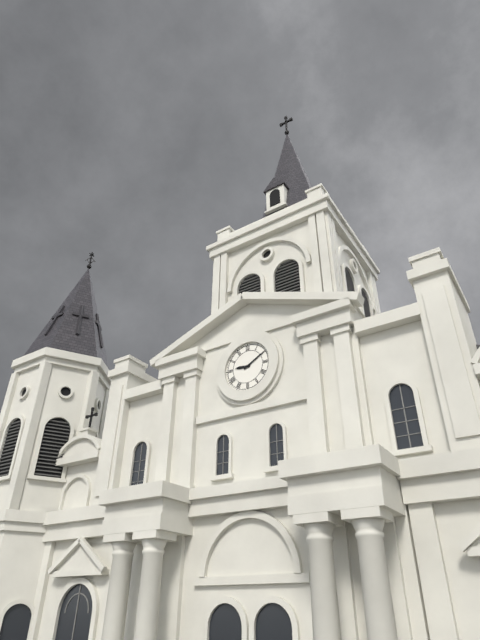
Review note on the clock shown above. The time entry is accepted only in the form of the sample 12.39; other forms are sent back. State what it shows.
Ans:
9.10
